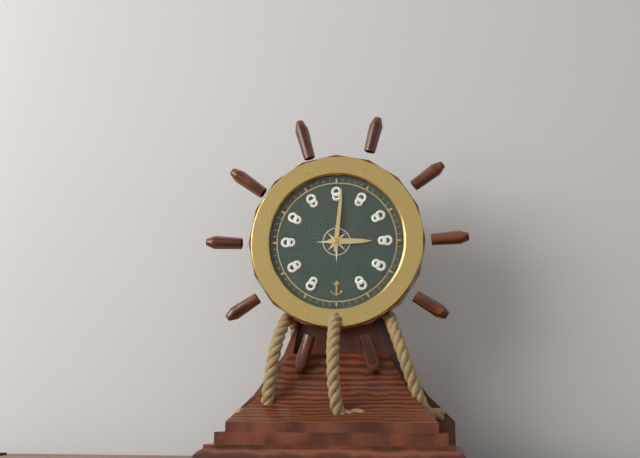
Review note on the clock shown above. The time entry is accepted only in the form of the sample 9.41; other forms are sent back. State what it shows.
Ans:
3.01
